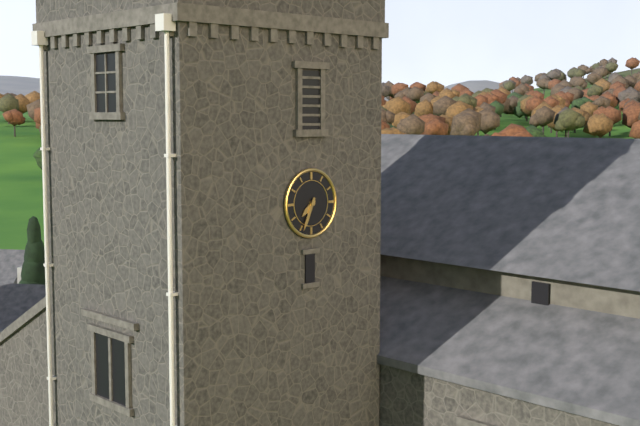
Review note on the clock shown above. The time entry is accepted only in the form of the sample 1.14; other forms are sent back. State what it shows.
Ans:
7.34
